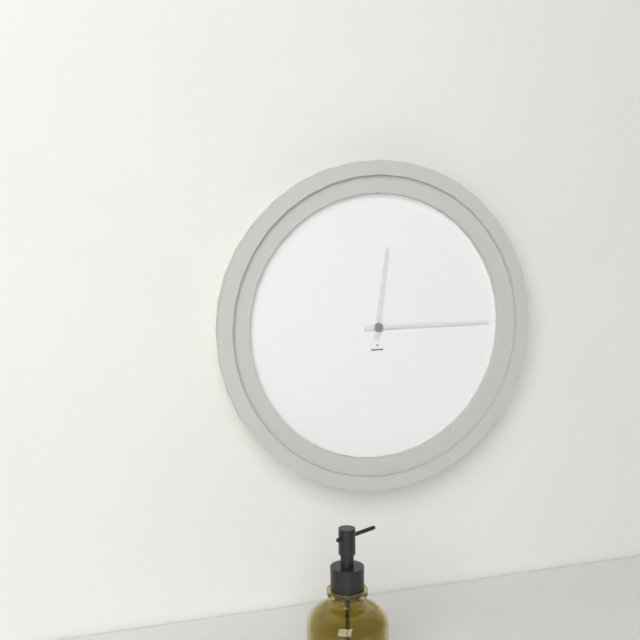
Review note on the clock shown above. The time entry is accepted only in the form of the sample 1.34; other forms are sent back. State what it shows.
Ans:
12.15
